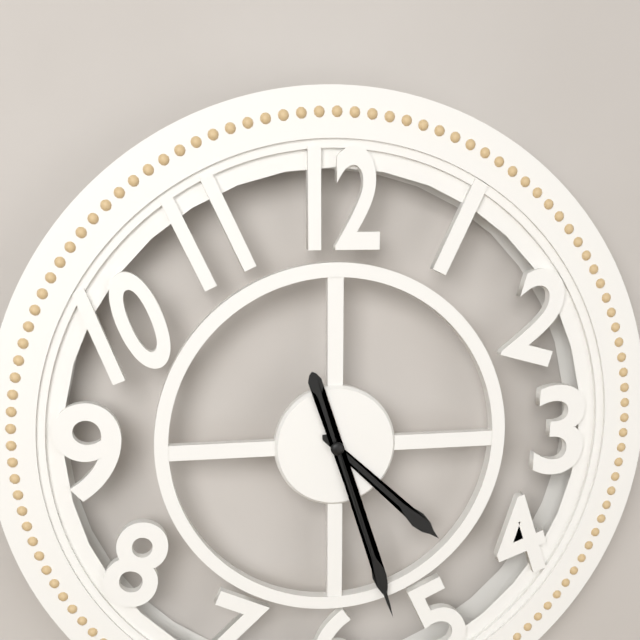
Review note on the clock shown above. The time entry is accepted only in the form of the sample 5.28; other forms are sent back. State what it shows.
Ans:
4.27
